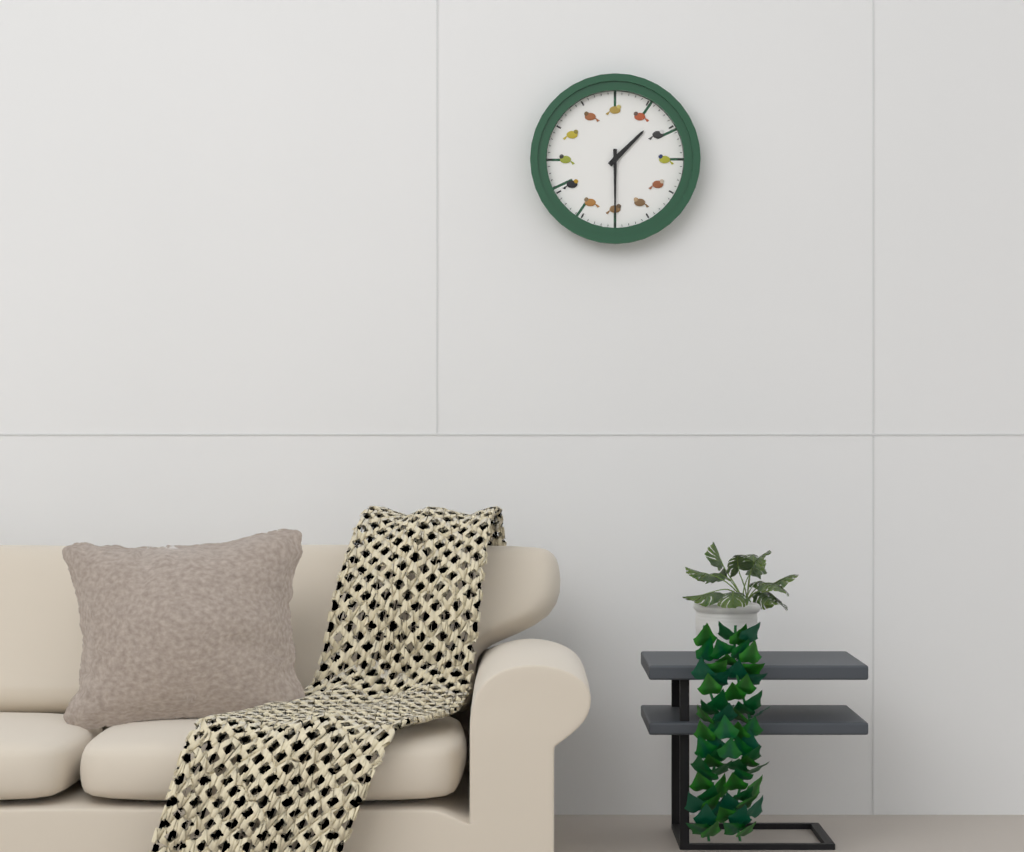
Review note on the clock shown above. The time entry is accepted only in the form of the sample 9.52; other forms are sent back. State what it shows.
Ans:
1.30
